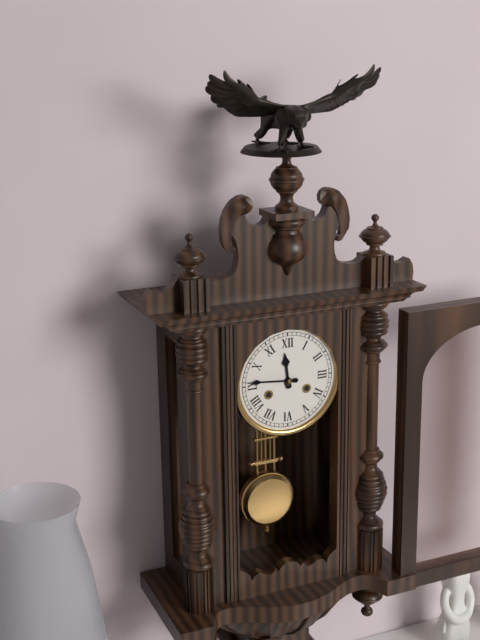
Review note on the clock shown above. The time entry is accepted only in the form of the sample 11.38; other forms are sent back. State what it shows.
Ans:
11.46
